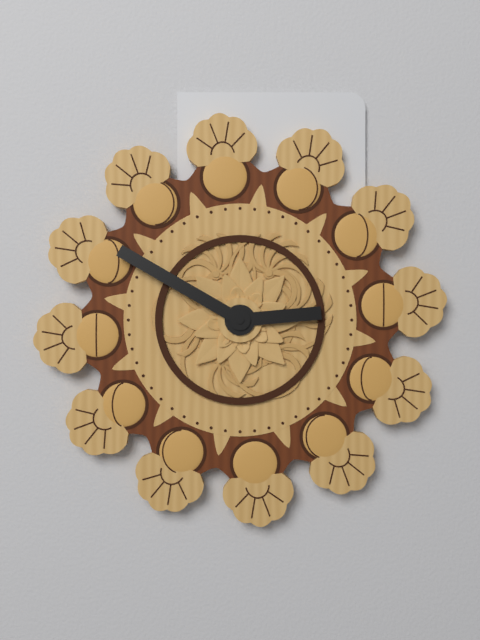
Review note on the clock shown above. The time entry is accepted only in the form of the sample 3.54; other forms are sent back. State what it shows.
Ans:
2.50
